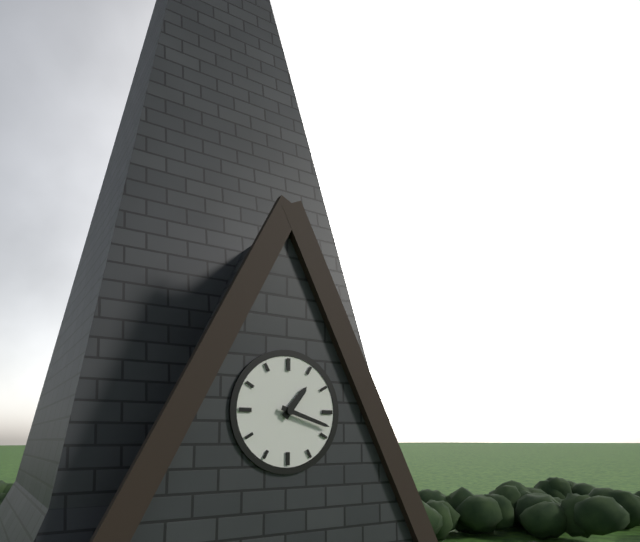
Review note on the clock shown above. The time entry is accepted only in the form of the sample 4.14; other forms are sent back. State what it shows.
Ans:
1.18
